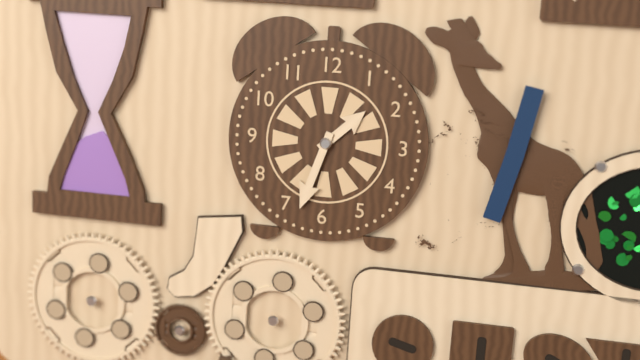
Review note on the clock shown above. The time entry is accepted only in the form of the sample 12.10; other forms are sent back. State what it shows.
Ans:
1.33
